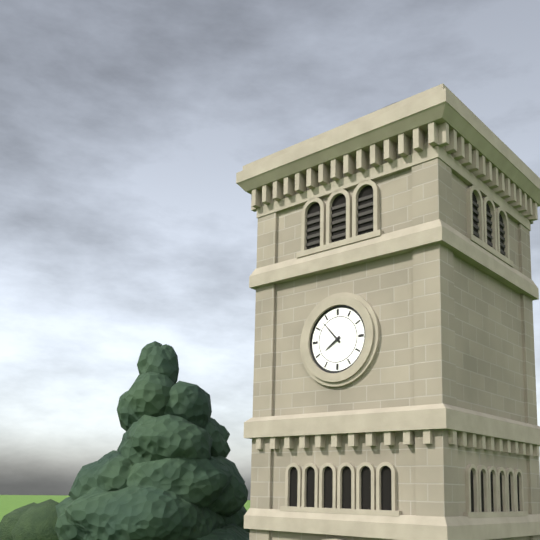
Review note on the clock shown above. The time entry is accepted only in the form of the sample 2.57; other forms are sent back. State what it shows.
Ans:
7.53
